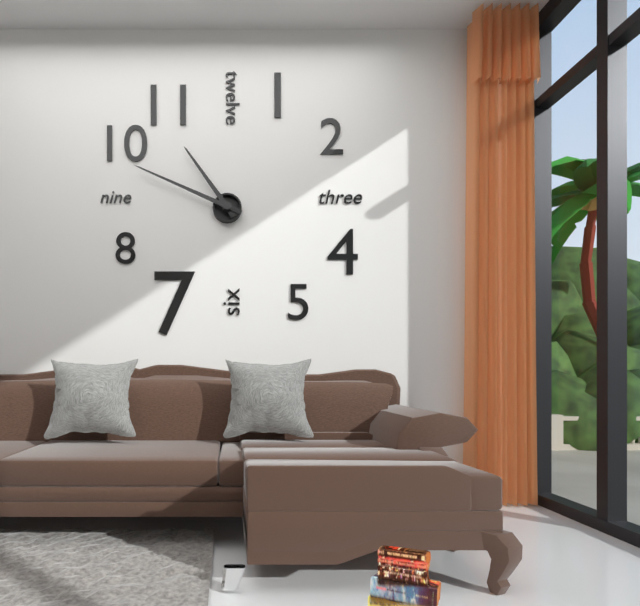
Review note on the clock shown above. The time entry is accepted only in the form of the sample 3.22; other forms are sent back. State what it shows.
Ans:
10.49
